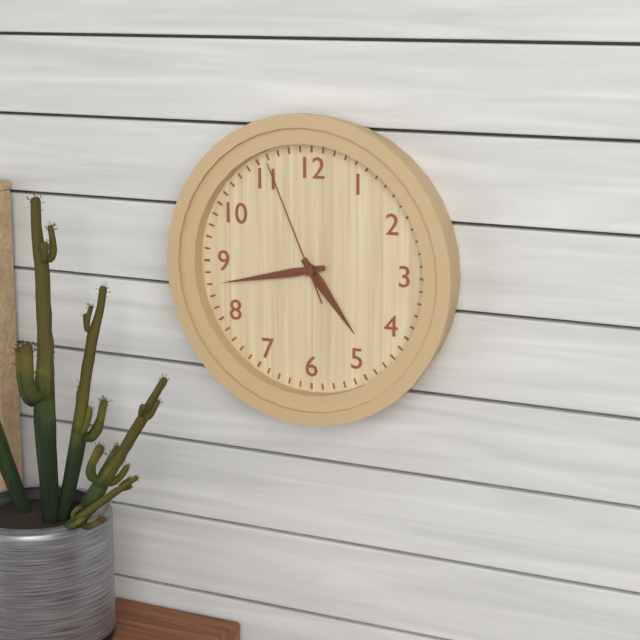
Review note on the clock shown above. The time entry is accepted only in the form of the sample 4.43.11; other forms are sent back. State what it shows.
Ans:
4.43.56
